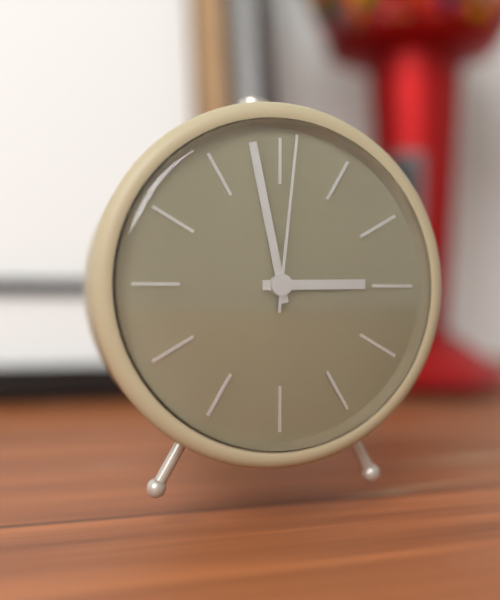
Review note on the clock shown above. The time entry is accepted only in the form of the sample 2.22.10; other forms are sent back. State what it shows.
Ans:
2.58.01
